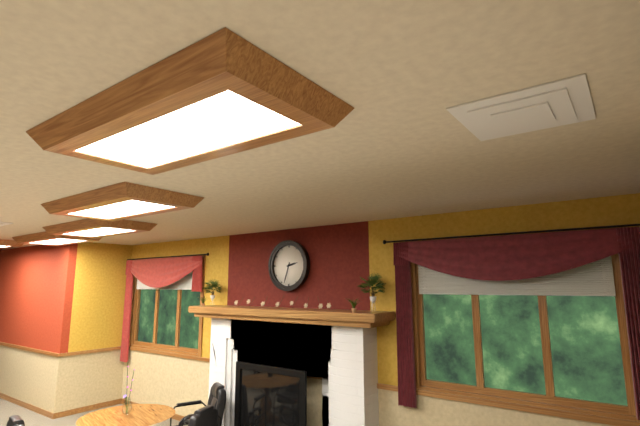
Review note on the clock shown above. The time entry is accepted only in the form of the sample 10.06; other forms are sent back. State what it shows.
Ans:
2.33
